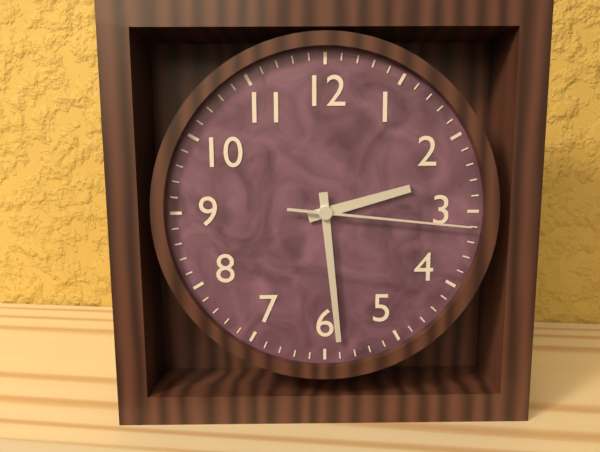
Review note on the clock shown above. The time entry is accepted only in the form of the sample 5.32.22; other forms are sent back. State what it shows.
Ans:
2.29.16
